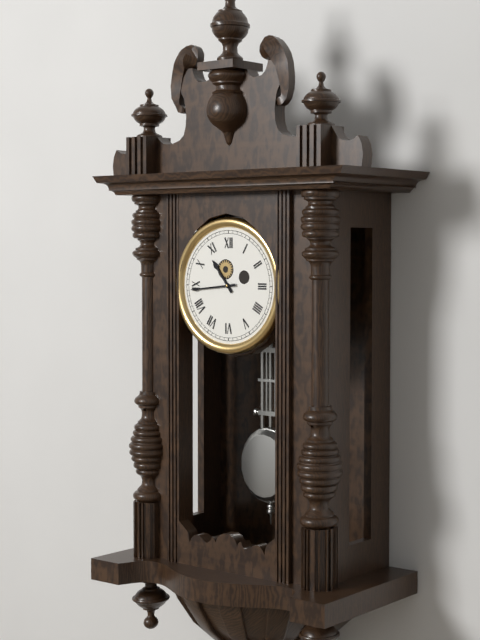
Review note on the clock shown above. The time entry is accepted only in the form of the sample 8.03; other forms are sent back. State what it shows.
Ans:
10.44
